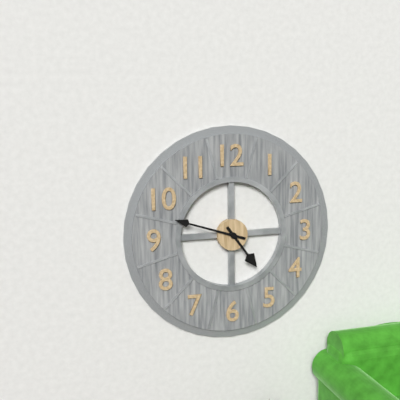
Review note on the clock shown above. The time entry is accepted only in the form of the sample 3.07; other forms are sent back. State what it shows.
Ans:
4.48
